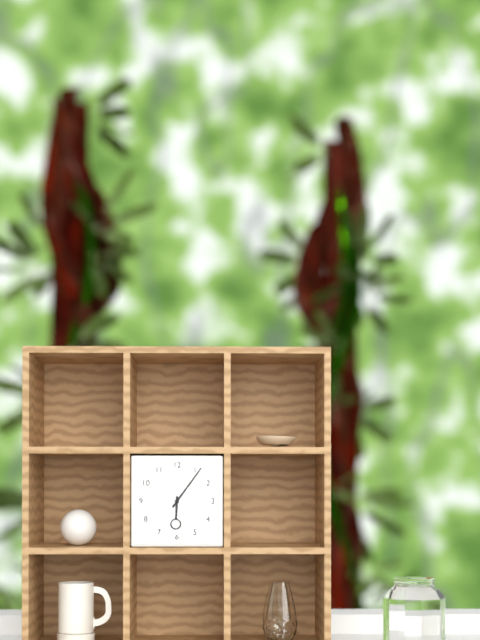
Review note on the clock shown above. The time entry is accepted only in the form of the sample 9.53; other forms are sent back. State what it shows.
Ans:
6.06
